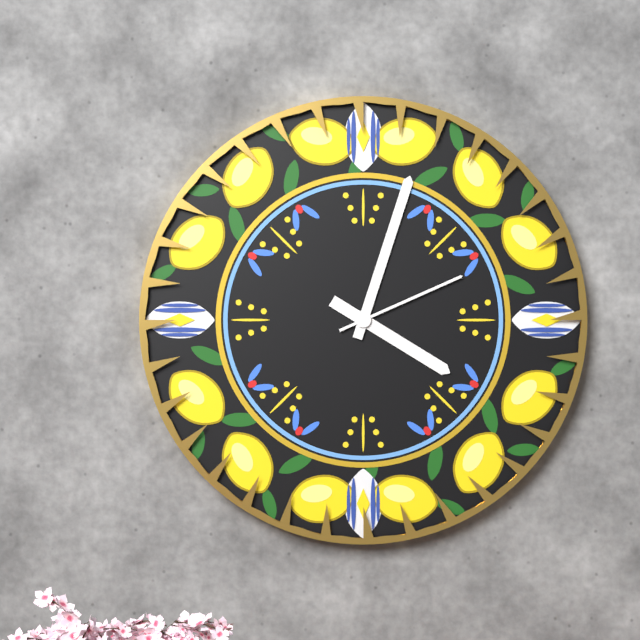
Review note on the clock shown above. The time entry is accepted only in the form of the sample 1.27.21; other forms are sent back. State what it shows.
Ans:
4.03.11
